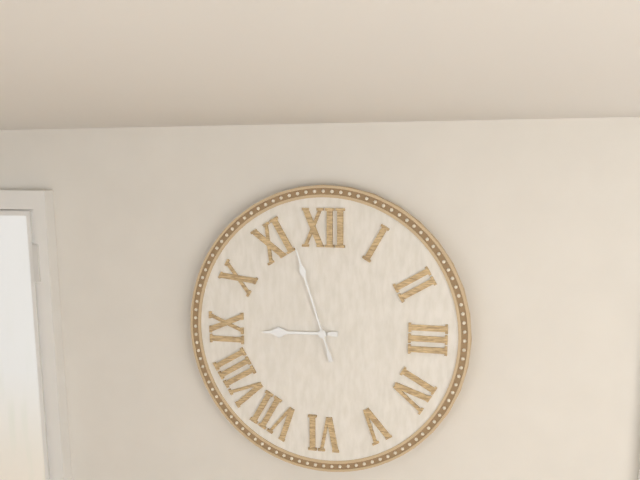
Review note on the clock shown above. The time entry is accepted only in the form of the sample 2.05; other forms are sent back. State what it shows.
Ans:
8.57
